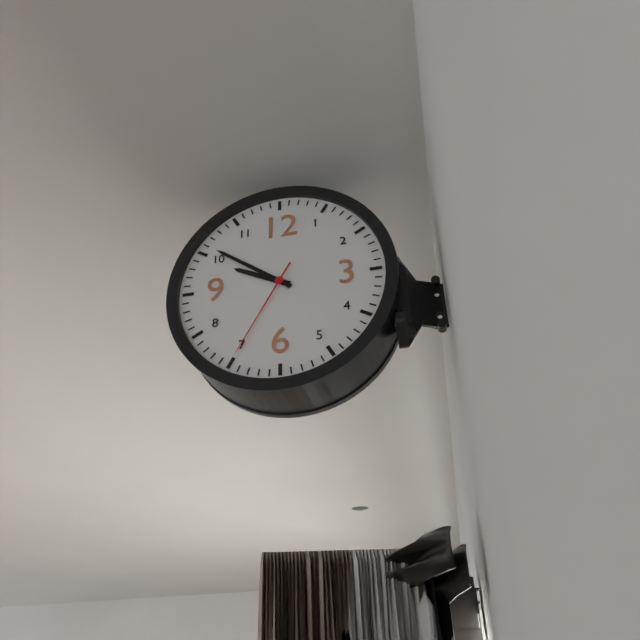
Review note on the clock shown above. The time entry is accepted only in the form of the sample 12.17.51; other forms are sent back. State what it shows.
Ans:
9.51.35
